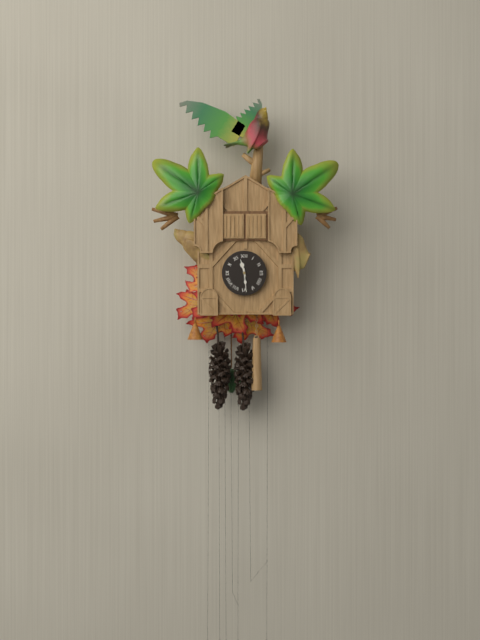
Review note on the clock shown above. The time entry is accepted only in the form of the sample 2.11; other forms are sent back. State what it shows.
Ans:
11.29
